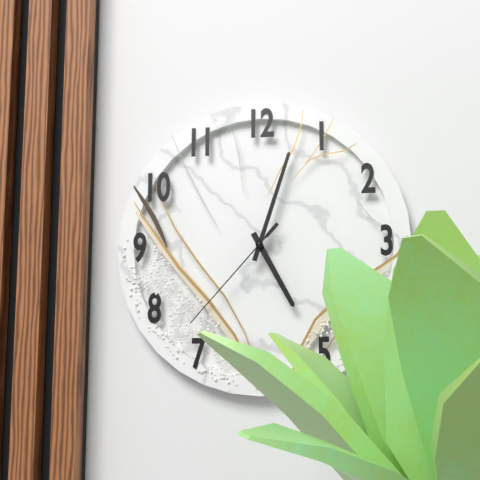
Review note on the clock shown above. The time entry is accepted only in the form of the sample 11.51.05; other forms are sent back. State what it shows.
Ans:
5.03.37
